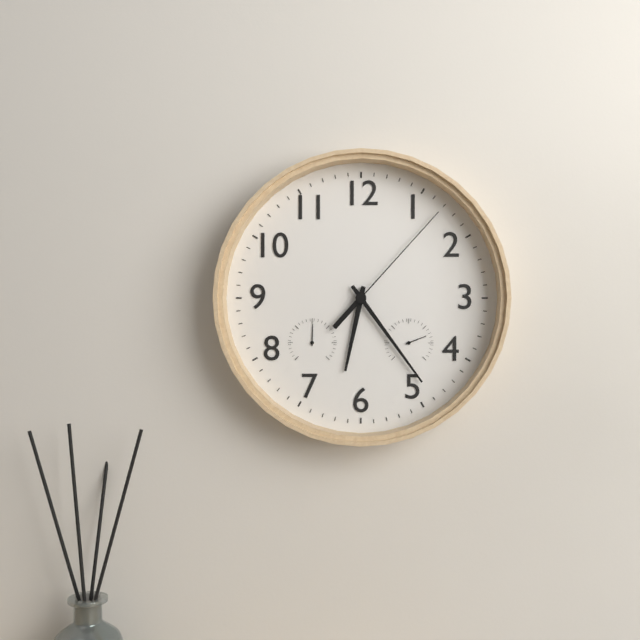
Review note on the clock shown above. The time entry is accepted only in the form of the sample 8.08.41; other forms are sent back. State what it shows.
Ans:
6.24.07
